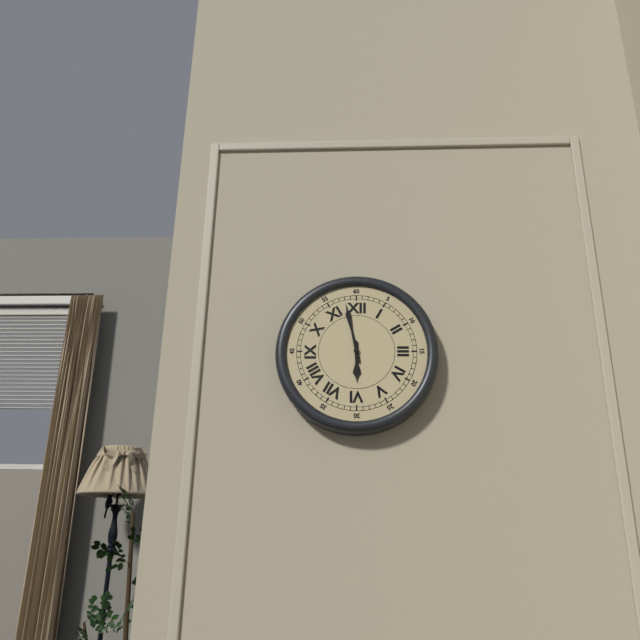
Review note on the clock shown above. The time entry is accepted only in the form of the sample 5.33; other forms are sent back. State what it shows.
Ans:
5.58
